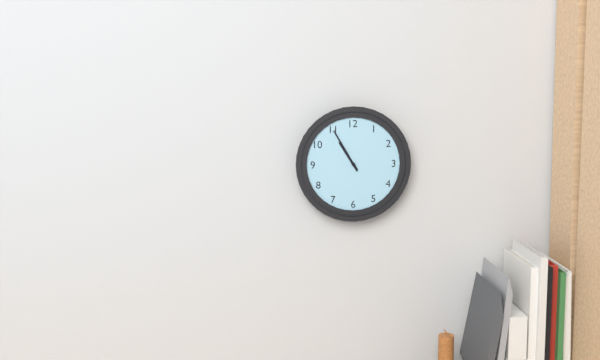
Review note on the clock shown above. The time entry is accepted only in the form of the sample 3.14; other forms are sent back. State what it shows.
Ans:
10.55
